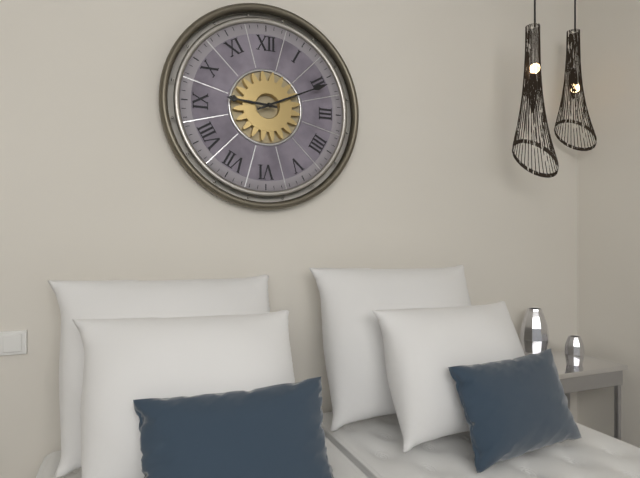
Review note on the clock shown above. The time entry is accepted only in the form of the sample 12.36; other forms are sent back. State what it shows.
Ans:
9.11
